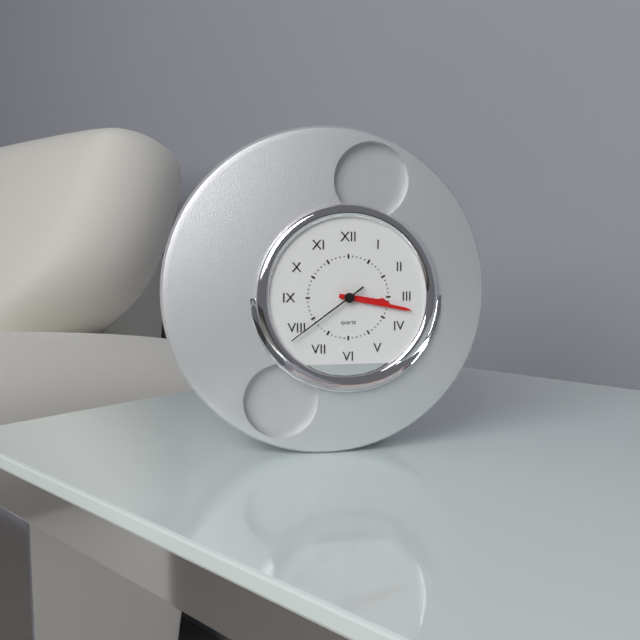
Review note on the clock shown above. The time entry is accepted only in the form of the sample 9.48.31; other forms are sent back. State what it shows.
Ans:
3.17.39
